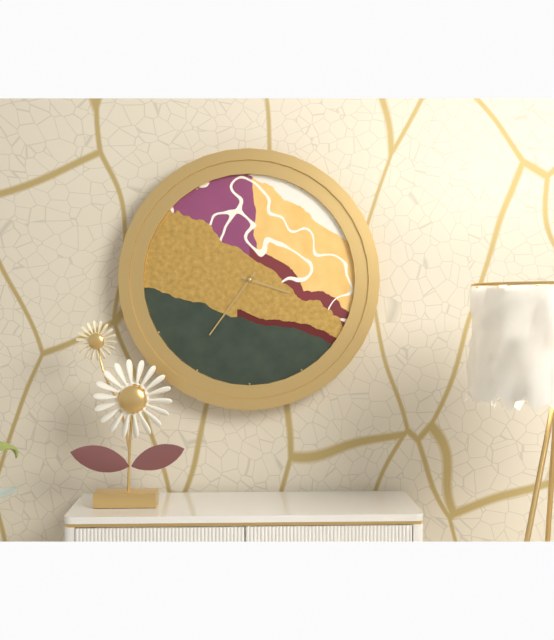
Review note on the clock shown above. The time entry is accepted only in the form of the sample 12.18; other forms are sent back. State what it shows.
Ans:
3.36
